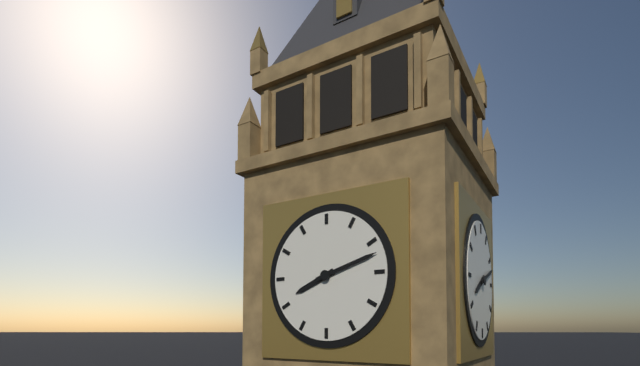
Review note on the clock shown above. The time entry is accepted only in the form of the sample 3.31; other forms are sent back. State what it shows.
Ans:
8.12
